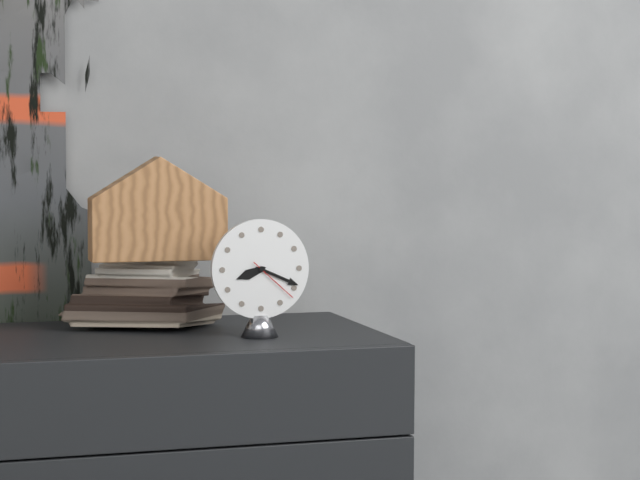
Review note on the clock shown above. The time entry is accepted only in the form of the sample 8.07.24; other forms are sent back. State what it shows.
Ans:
8.19.22
